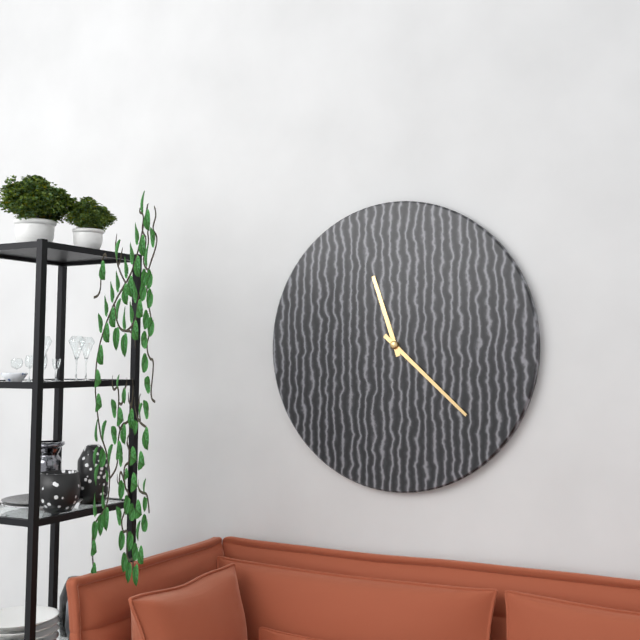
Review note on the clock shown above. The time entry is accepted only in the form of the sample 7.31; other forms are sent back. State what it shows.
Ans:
11.22
